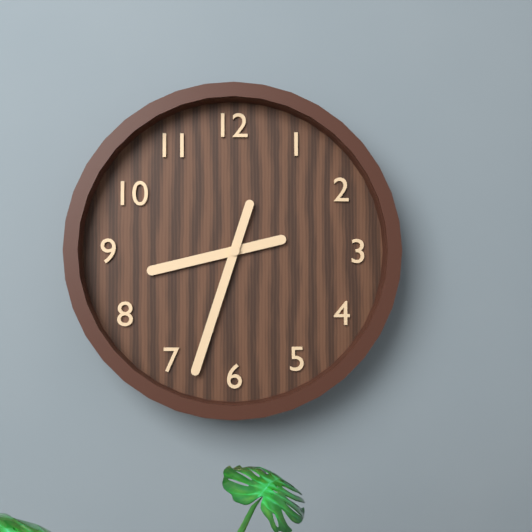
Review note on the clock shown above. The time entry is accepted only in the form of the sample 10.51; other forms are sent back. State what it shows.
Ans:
8.33
